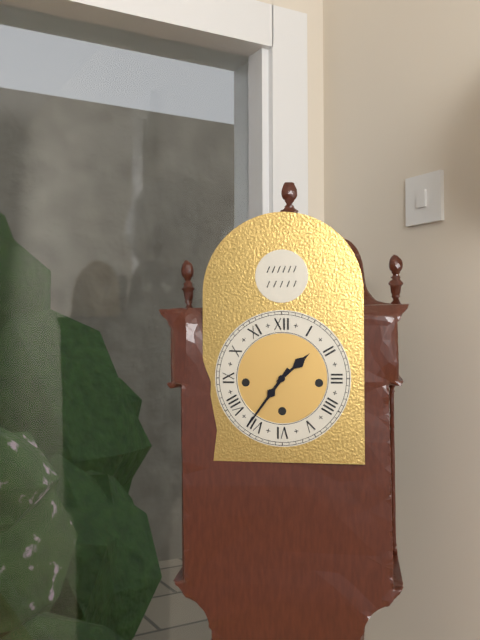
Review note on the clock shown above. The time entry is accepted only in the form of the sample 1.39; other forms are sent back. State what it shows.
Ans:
1.36
